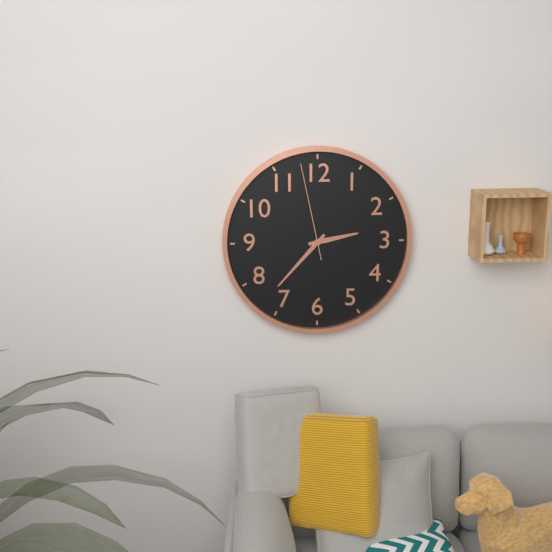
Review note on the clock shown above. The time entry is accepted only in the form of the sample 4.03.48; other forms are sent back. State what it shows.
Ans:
2.37.58
